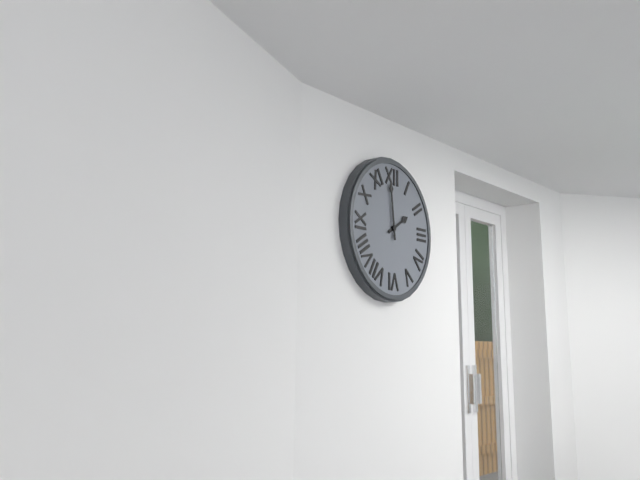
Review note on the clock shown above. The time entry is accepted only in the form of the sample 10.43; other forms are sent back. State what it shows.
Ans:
1.59
